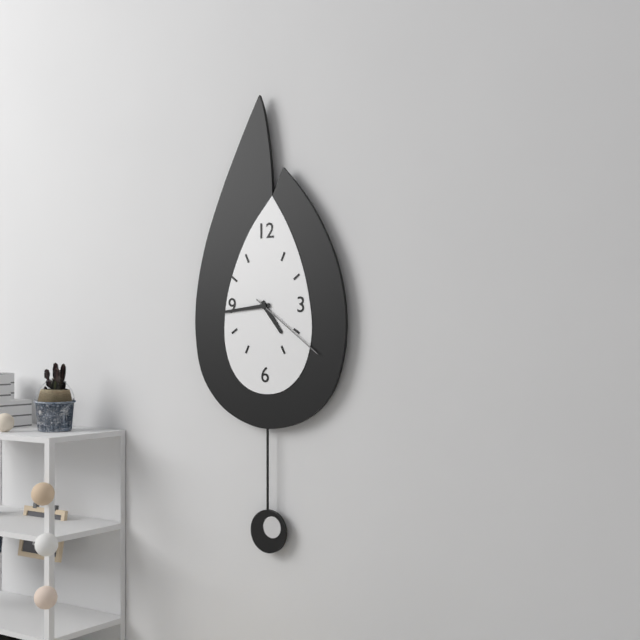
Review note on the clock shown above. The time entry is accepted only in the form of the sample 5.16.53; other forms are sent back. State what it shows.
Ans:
4.44.21
